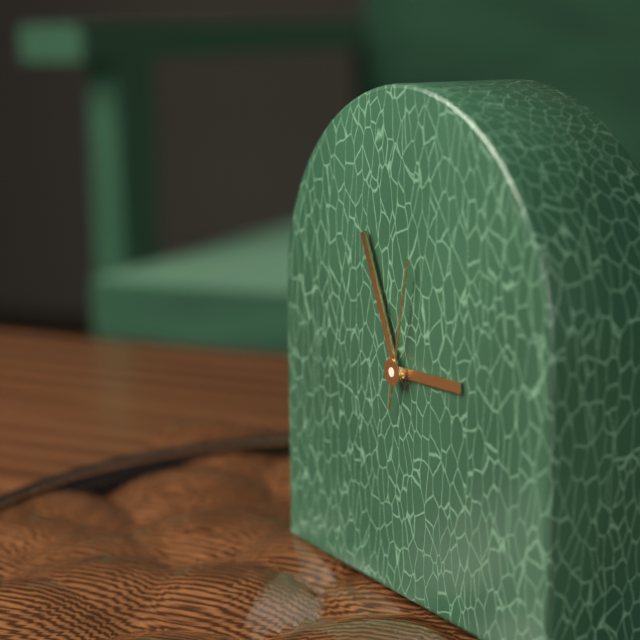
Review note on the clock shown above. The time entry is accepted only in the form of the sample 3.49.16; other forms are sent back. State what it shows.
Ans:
2.56.02
